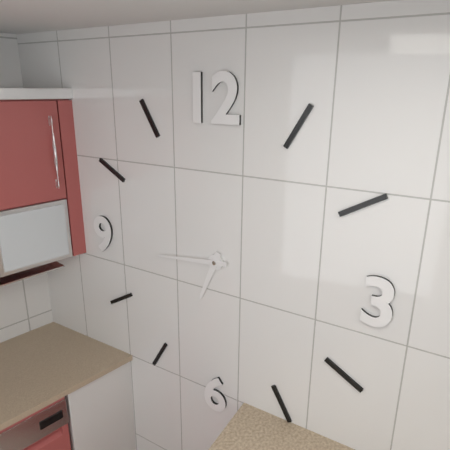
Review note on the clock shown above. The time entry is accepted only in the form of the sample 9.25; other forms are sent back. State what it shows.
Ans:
6.44
